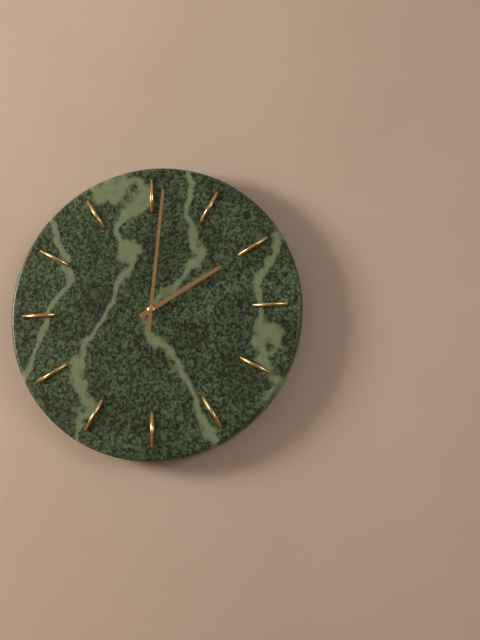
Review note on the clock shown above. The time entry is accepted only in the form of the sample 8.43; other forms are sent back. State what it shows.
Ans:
2.01
